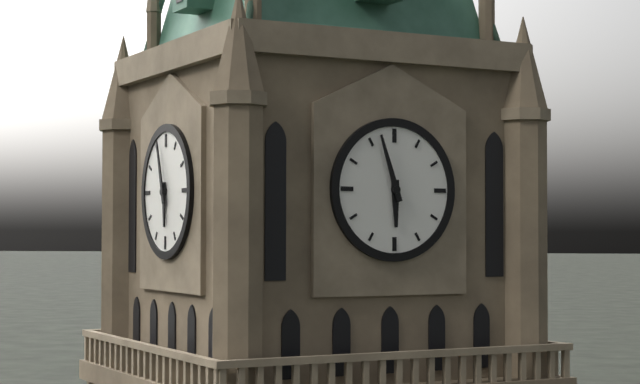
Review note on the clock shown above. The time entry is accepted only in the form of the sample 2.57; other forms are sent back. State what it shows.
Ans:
5.57
